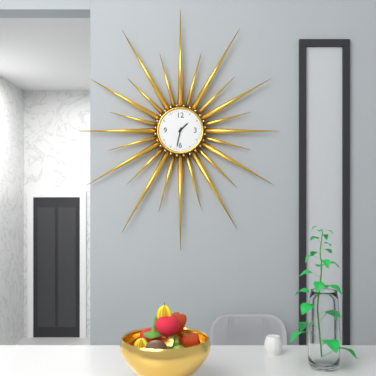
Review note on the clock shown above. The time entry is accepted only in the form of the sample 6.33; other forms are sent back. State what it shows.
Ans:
1.32
